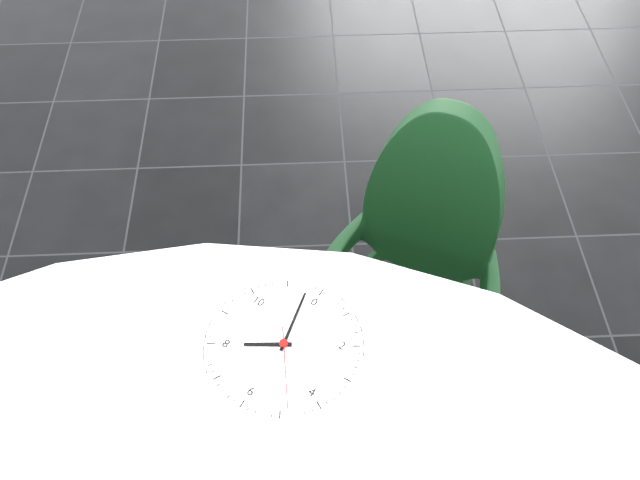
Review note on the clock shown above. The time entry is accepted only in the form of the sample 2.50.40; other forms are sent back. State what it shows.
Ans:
7.58.24
